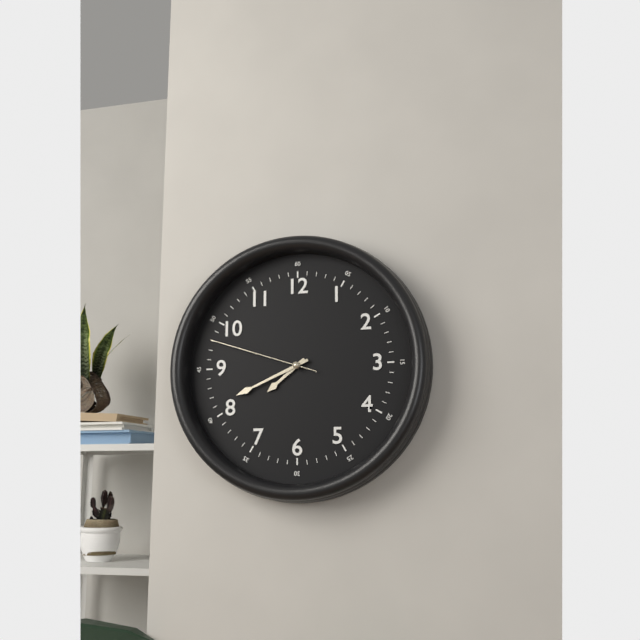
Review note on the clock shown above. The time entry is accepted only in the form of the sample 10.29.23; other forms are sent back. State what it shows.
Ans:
7.41.48
